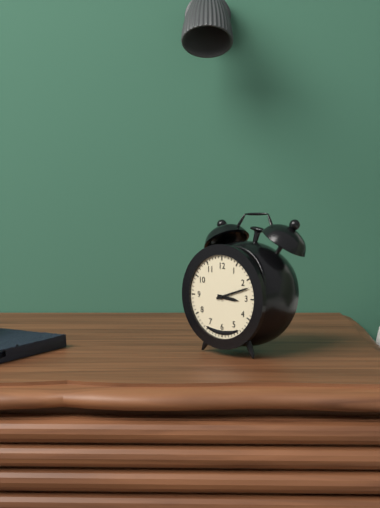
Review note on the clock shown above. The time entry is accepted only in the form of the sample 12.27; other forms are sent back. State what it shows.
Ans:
3.12
